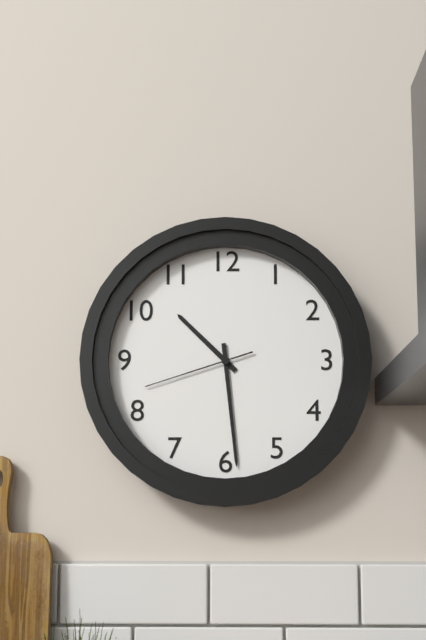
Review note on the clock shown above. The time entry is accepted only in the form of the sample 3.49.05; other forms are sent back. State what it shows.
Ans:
10.29.42
